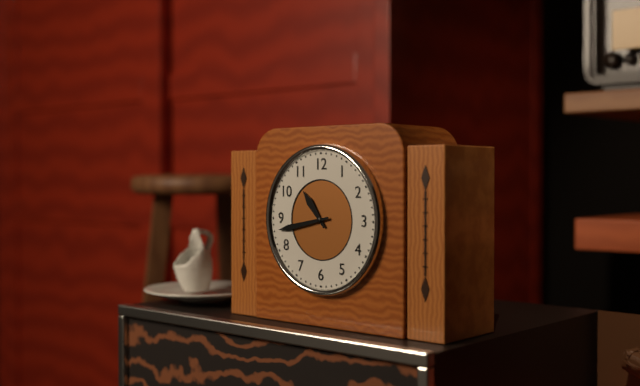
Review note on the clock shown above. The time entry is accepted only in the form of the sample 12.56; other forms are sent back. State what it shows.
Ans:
10.43
